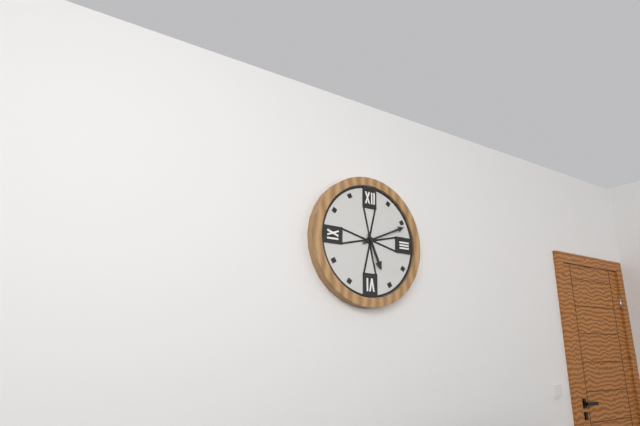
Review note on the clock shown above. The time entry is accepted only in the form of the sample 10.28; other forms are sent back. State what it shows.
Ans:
5.11
